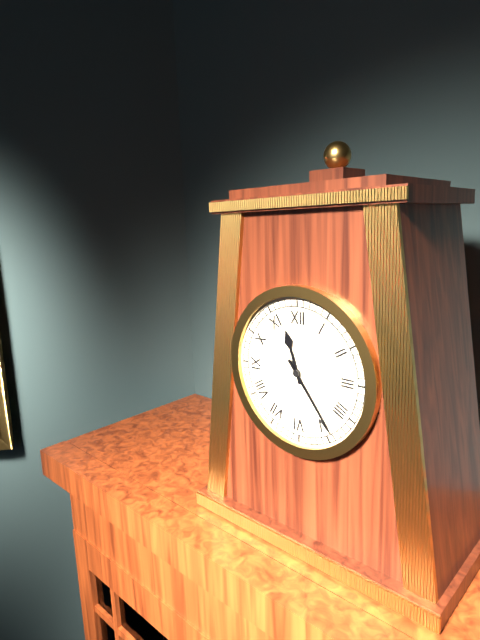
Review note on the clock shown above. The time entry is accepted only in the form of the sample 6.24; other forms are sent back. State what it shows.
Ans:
11.24
